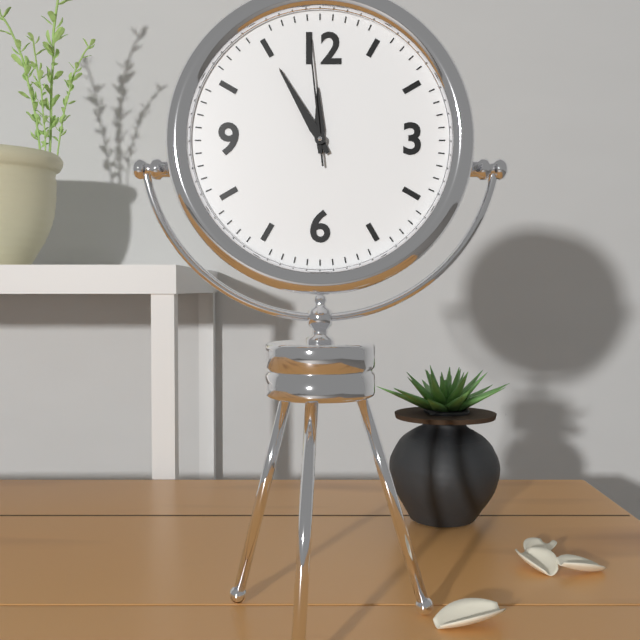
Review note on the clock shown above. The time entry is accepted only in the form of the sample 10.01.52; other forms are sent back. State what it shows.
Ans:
11.55.59
